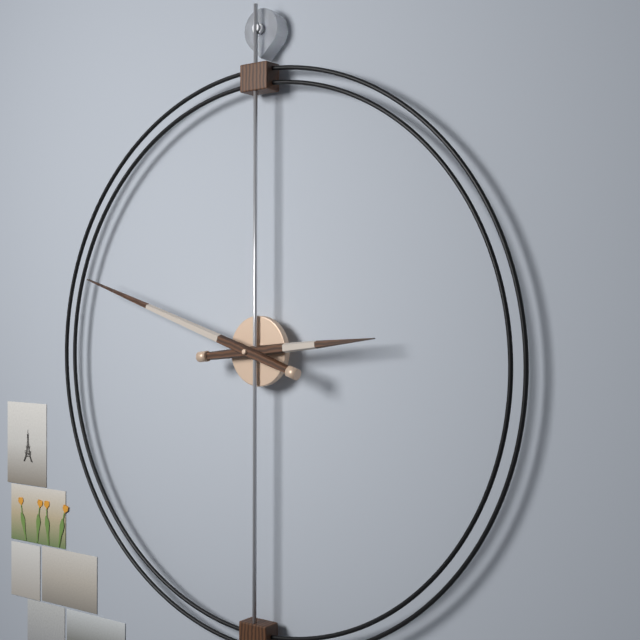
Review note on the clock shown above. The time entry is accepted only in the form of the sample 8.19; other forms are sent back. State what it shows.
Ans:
2.48
